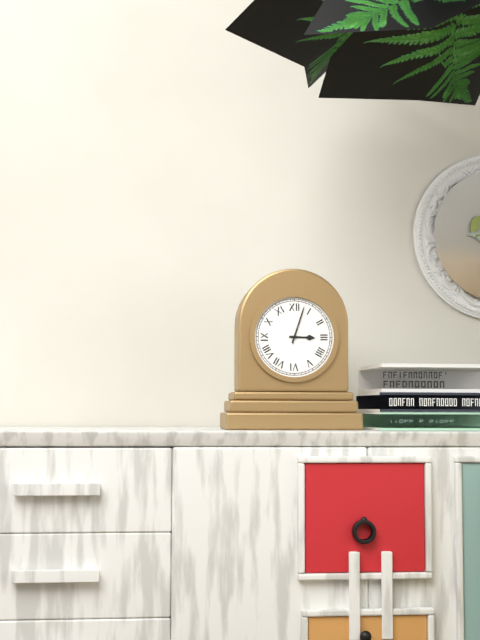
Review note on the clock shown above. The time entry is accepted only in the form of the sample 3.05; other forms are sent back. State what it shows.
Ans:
3.03
